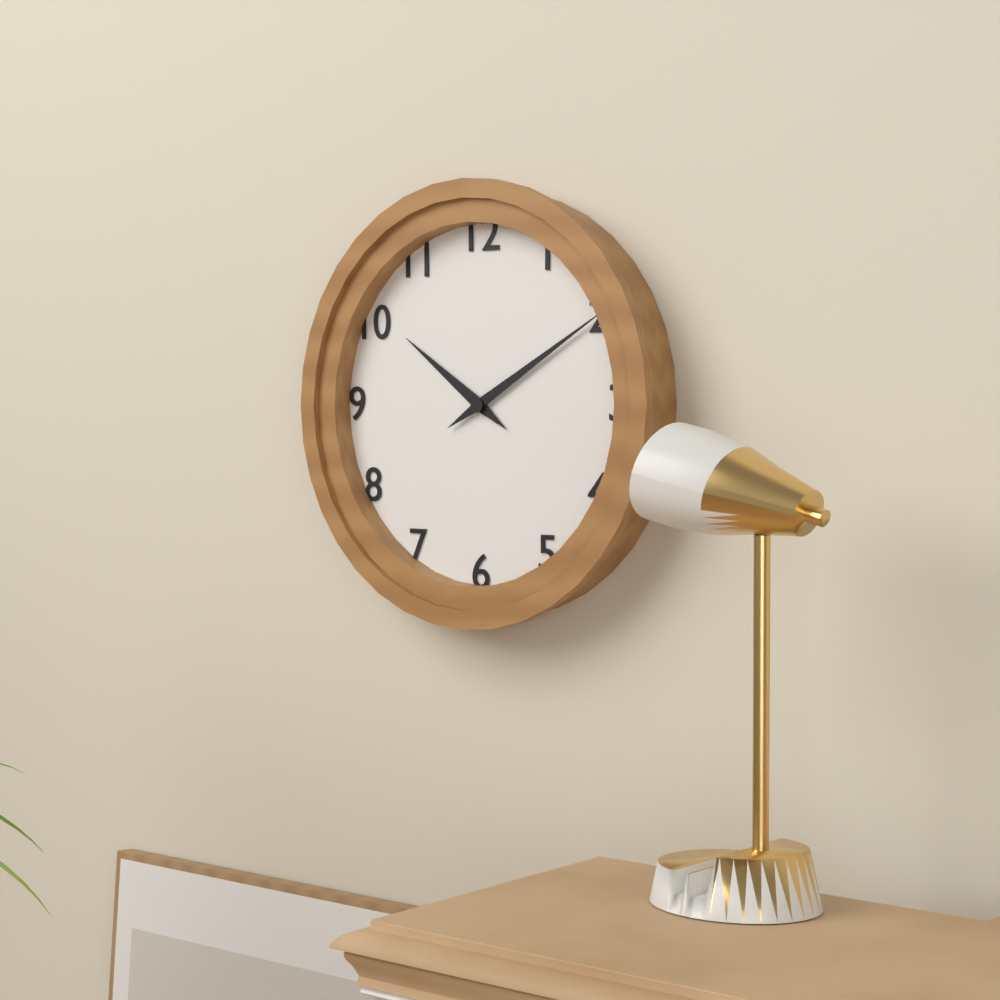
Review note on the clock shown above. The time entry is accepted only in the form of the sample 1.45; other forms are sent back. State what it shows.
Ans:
10.10
